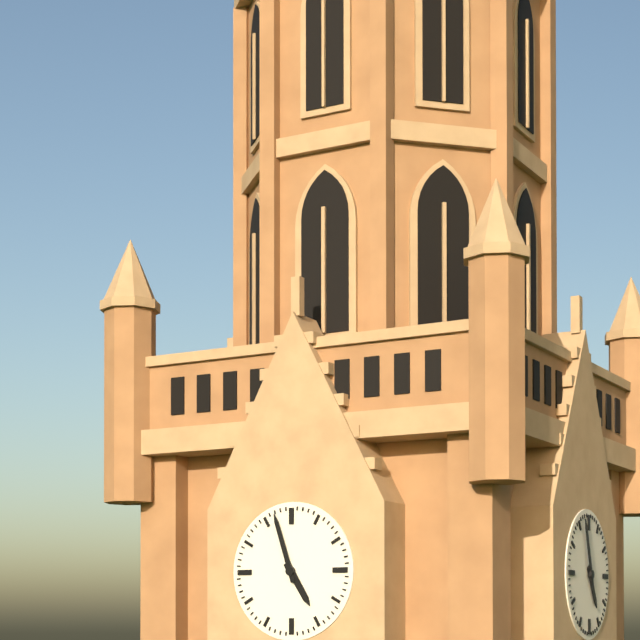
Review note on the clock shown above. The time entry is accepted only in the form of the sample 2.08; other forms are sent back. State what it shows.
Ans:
4.57
